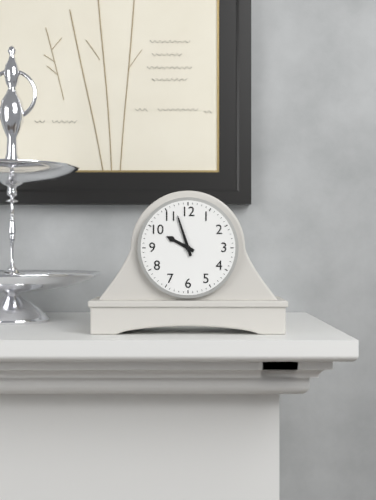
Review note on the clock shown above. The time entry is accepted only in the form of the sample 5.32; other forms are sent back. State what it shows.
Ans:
9.57
